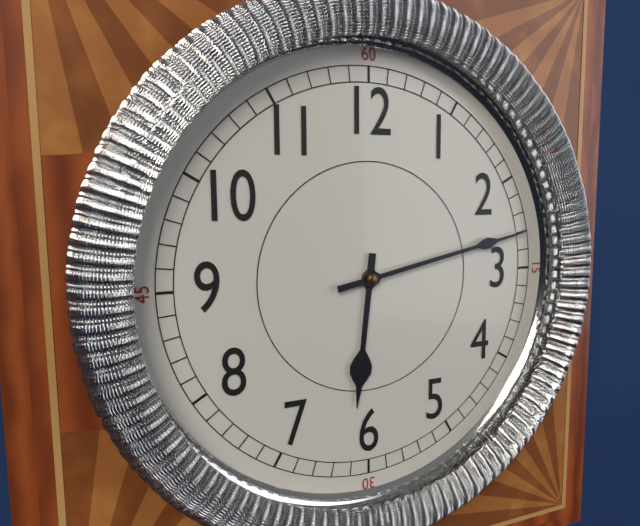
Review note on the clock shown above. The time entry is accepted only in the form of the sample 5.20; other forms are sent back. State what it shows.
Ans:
6.13
